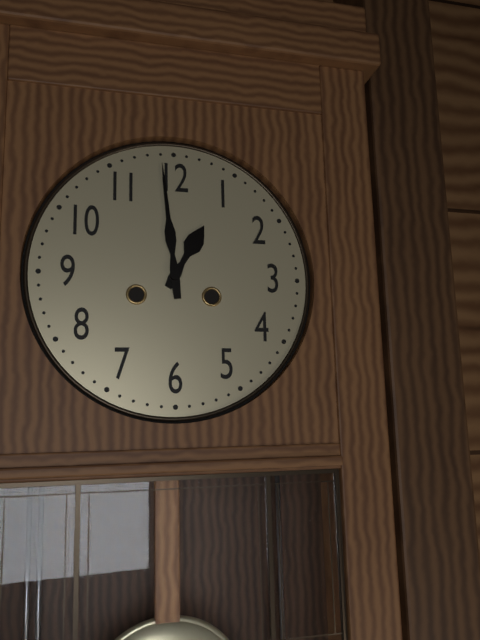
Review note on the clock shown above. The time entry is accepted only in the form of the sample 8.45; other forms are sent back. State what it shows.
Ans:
12.59
